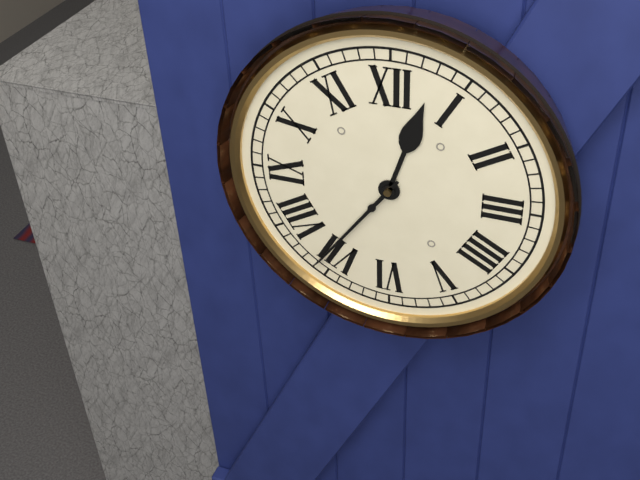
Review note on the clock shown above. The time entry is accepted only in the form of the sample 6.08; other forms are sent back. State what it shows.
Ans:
12.36
